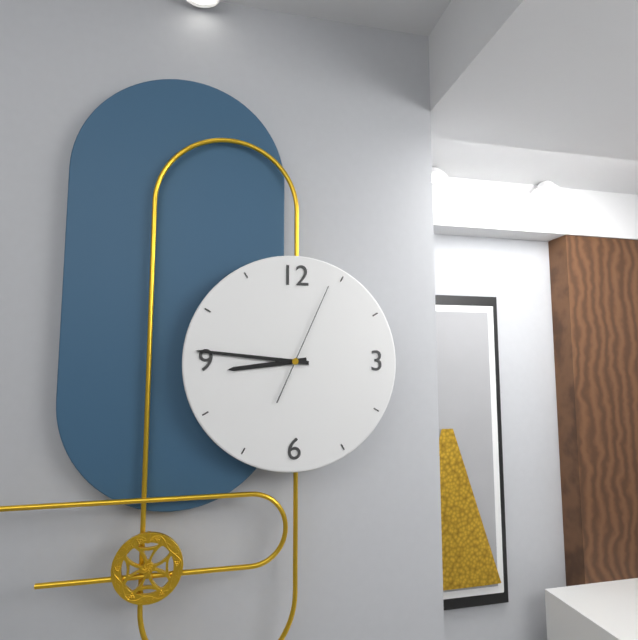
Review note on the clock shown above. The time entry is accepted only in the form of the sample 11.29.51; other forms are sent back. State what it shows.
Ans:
8.46.04
